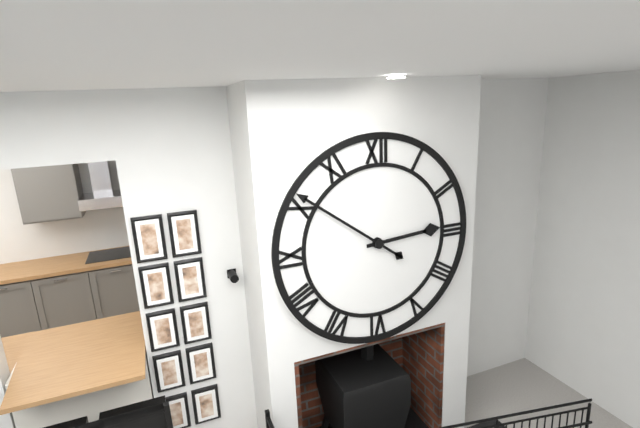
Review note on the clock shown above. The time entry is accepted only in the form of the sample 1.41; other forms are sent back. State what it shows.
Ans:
2.51
